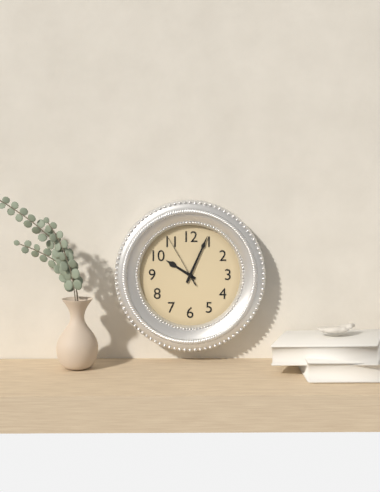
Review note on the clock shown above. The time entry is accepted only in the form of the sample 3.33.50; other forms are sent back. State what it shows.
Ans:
10.04.55
